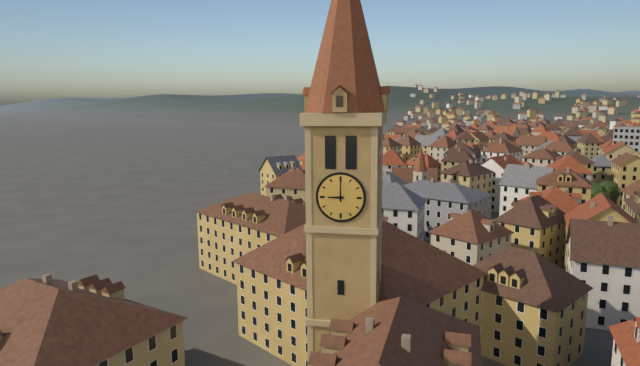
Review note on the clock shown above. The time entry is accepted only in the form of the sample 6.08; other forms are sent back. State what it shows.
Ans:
9.00
